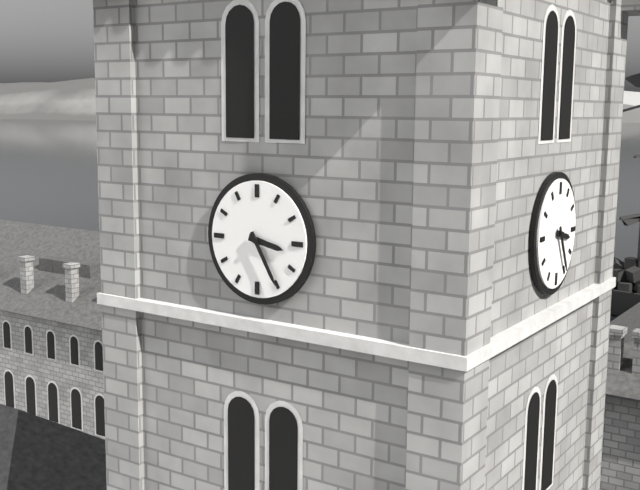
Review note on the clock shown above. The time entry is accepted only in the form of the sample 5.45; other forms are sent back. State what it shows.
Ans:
3.25
